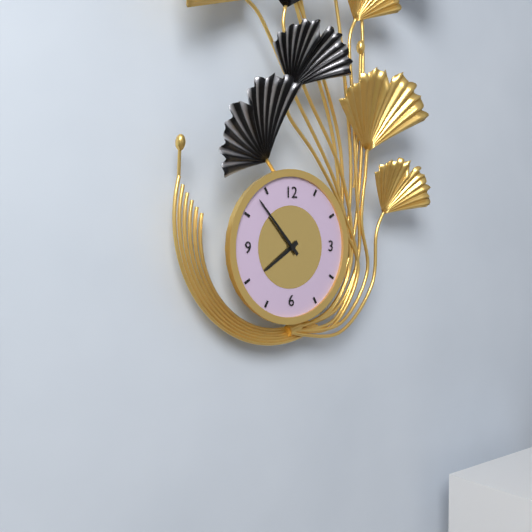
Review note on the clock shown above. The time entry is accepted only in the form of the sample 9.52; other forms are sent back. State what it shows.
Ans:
7.53
